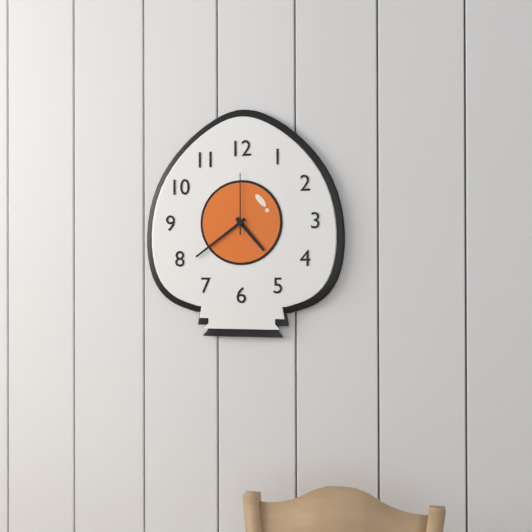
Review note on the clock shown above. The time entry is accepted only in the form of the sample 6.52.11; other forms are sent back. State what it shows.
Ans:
4.39.00
